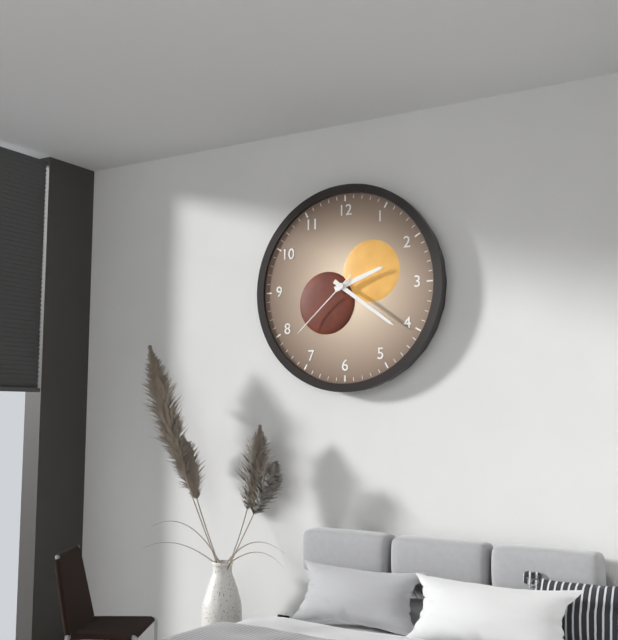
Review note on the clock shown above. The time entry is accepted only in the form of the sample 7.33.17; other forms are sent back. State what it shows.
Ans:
2.21.38
